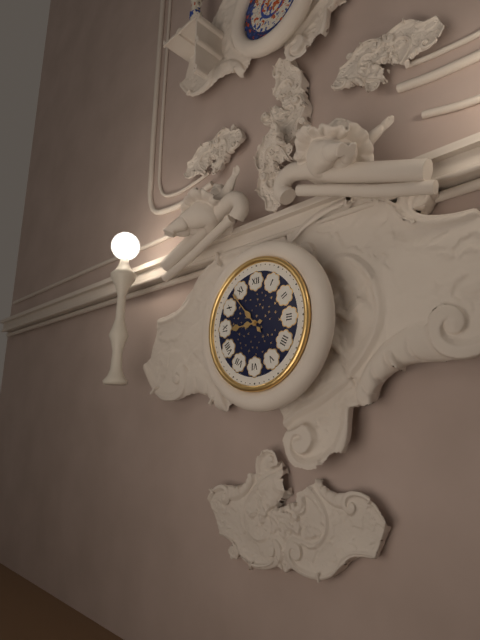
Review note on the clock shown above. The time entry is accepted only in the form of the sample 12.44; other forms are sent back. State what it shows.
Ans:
8.53
